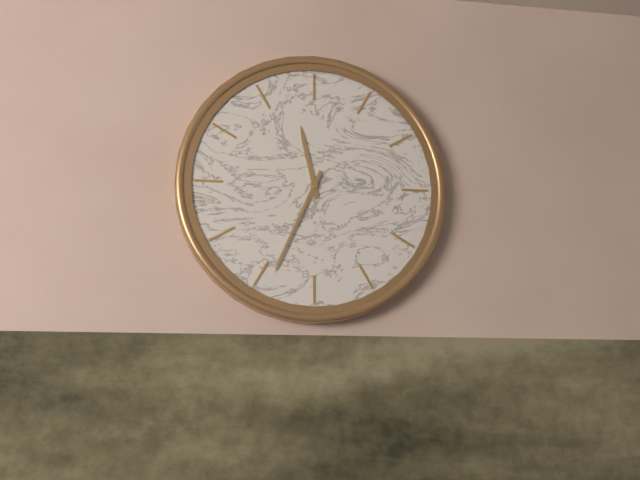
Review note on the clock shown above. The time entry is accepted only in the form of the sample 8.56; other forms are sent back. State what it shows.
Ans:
11.34
